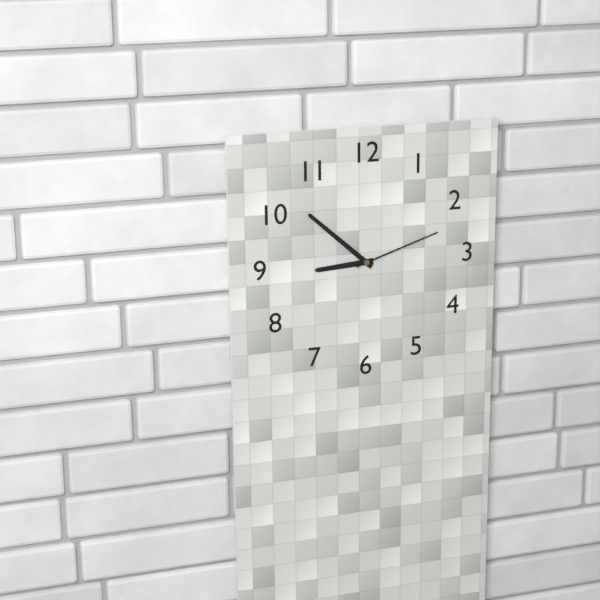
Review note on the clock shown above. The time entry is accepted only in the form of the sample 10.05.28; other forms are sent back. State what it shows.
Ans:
8.52.12
